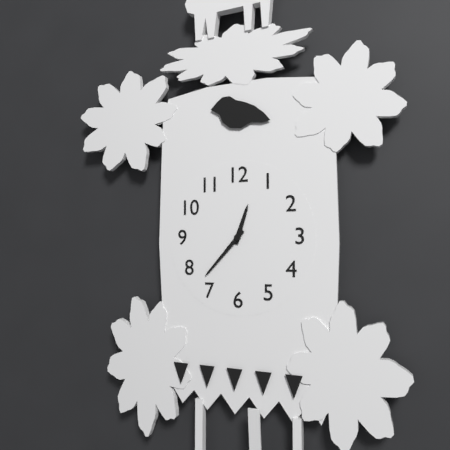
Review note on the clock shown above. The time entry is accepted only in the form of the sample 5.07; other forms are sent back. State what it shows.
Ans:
12.37
